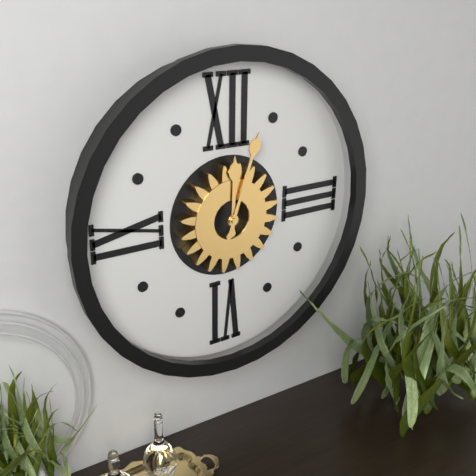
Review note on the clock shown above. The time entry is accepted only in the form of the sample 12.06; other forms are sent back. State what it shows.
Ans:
12.03
